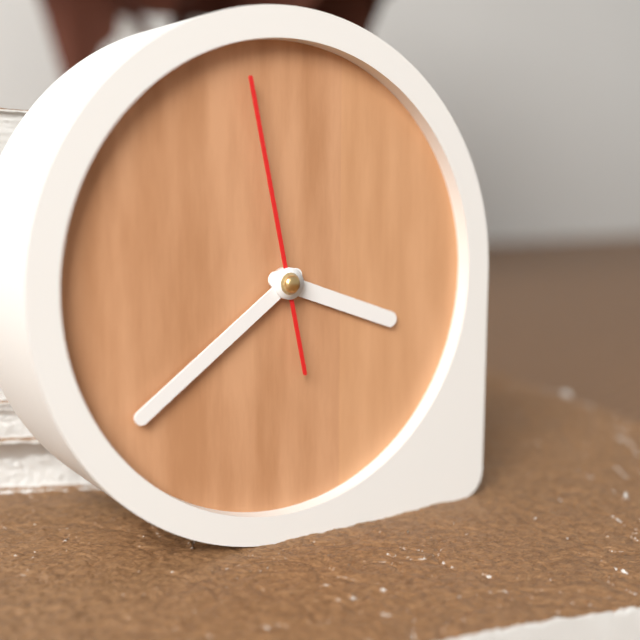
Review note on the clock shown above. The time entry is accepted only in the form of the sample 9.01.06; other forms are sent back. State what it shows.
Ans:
3.39.58
